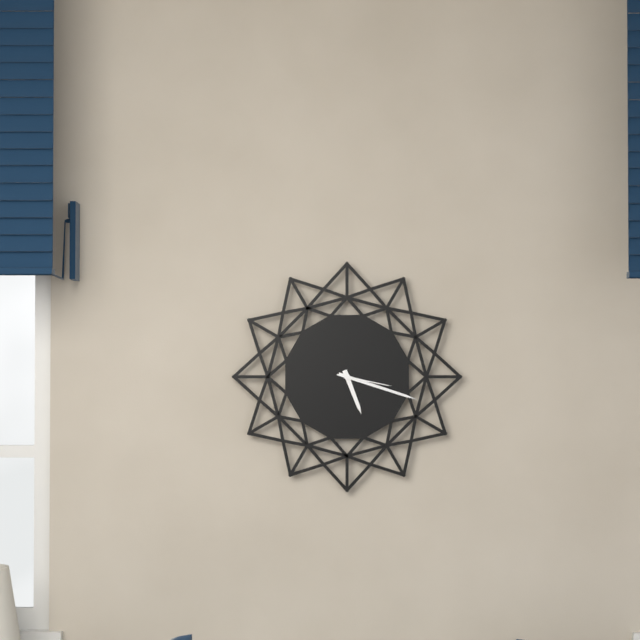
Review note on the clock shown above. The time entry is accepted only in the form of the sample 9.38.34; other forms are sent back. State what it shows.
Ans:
5.18.17
